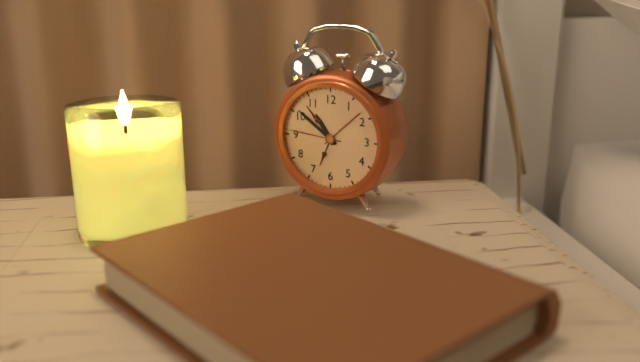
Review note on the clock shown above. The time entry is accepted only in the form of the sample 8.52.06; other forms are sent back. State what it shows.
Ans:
10.51.46
